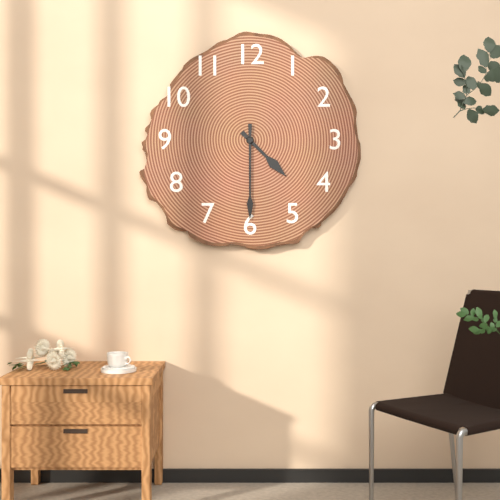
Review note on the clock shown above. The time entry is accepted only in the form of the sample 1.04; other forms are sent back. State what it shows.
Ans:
4.30
